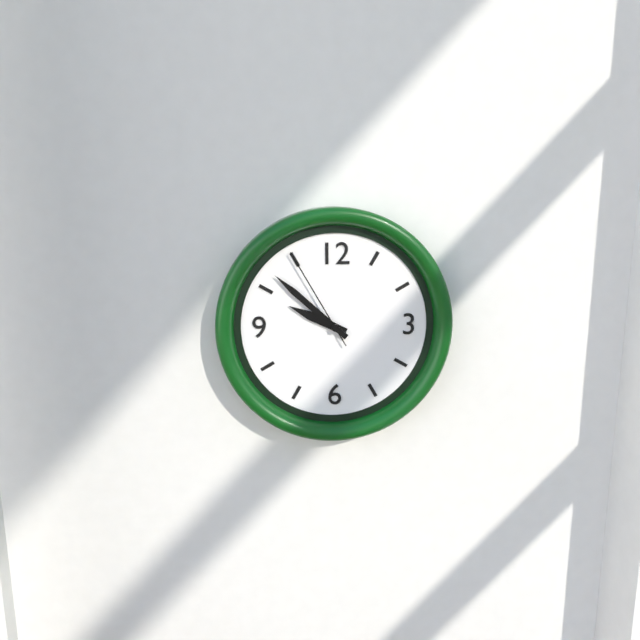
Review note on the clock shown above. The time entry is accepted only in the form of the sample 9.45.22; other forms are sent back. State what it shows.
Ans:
9.52.55
